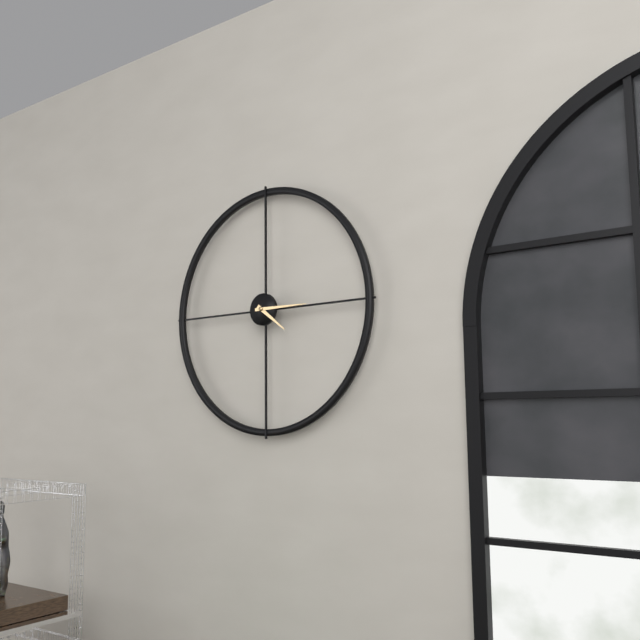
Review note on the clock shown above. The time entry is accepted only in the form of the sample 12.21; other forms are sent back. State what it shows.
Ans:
4.15
